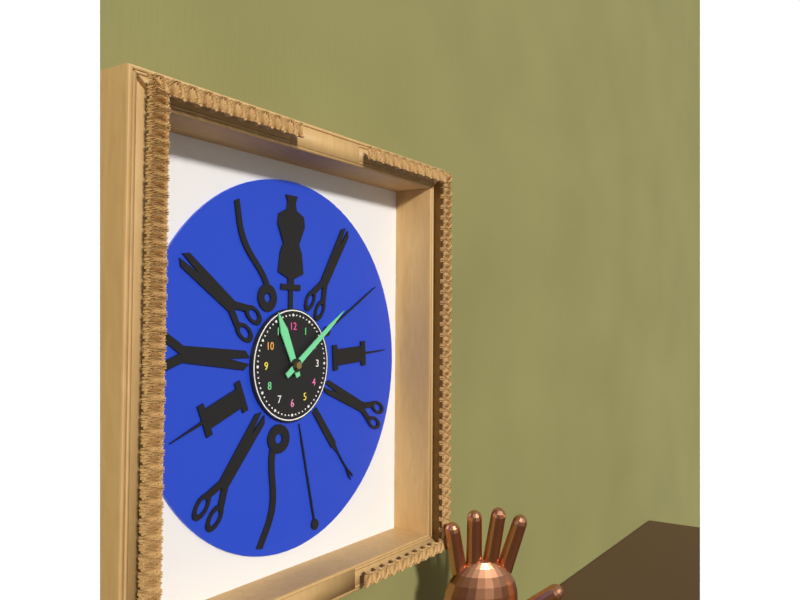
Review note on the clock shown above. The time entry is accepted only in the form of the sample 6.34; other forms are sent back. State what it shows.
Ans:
11.09
